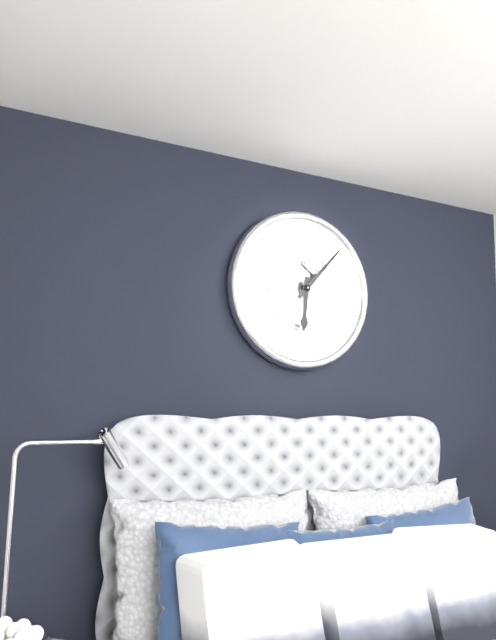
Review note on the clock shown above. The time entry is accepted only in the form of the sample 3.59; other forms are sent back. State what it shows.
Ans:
6.07
